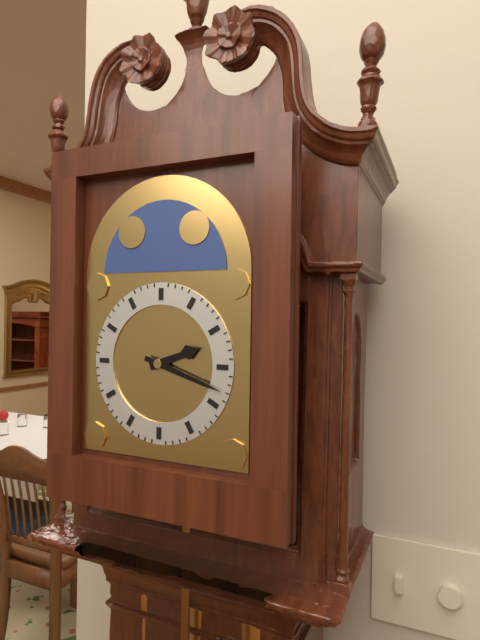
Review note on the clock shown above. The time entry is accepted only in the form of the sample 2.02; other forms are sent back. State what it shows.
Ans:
2.18
